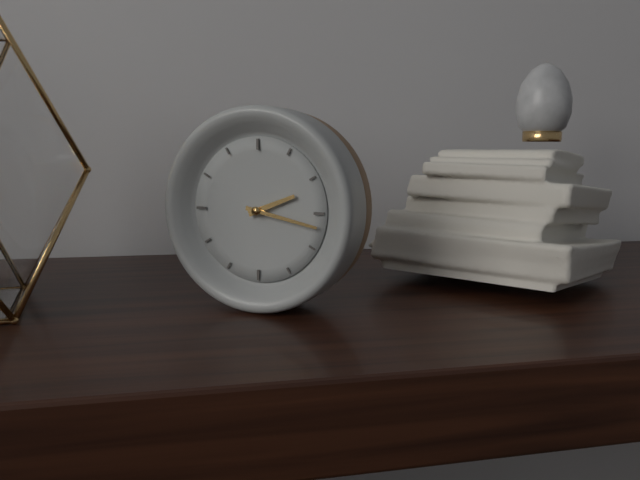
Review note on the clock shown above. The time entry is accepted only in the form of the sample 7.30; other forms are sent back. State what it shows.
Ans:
2.17
